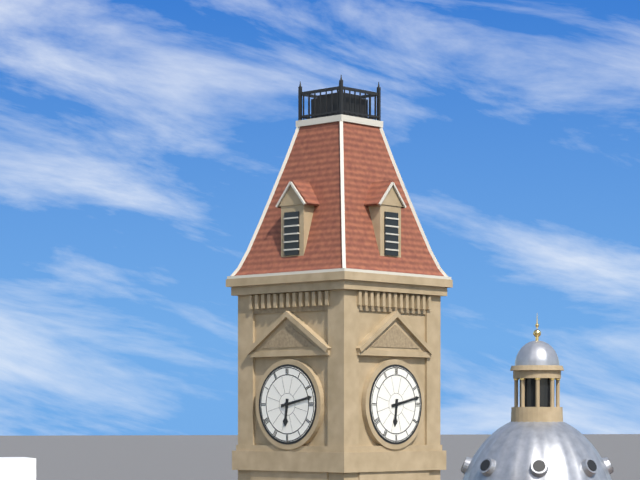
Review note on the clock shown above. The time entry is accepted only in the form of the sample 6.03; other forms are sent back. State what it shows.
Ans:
6.13
